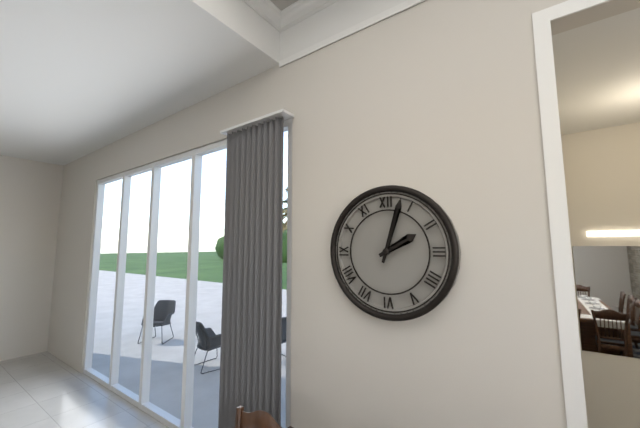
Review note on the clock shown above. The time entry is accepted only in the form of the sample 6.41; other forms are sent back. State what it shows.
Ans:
2.03
